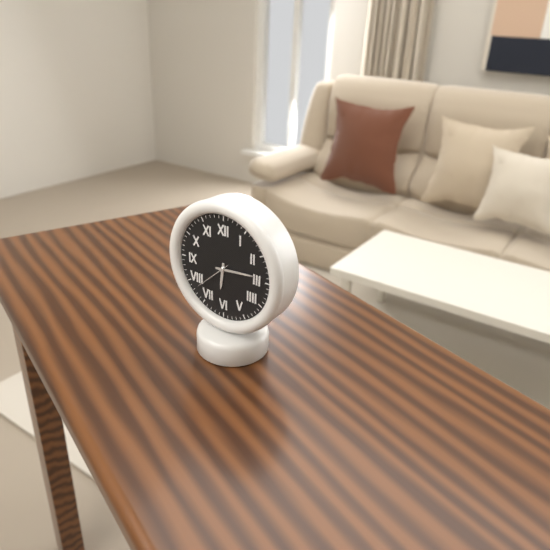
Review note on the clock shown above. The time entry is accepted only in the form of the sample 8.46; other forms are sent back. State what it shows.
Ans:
6.14
